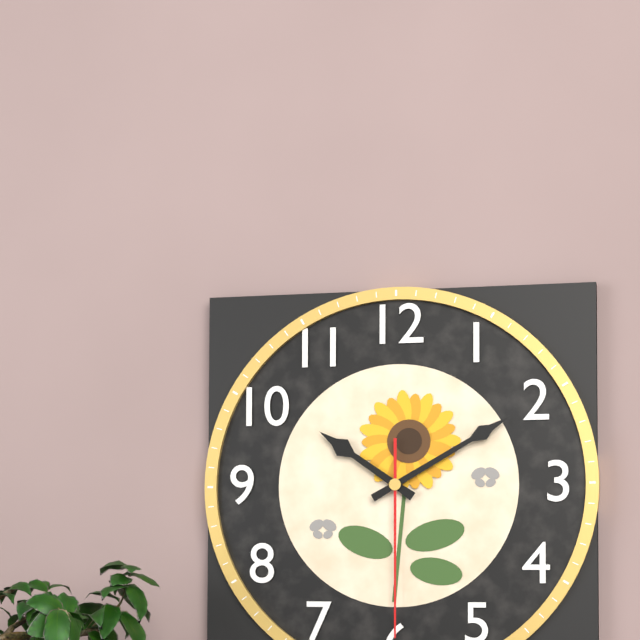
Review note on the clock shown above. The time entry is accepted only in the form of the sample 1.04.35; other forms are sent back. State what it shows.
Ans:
10.10.30
